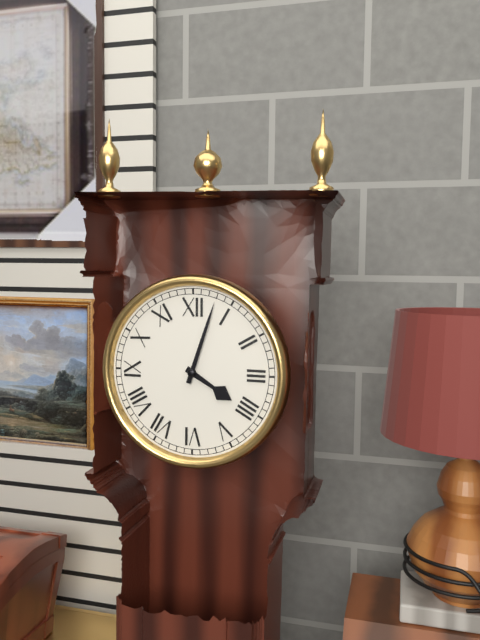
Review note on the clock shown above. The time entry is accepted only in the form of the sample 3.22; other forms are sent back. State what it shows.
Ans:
4.03
